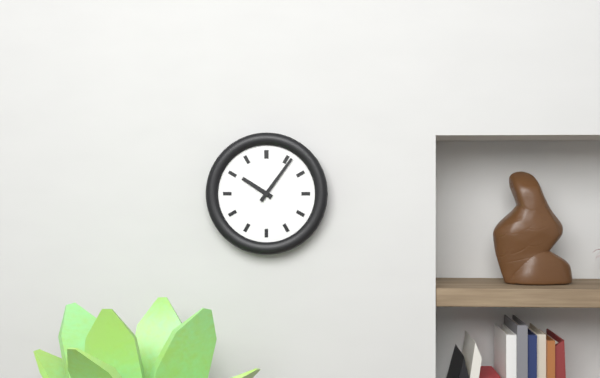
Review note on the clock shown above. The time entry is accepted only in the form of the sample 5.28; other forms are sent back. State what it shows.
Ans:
10.06
